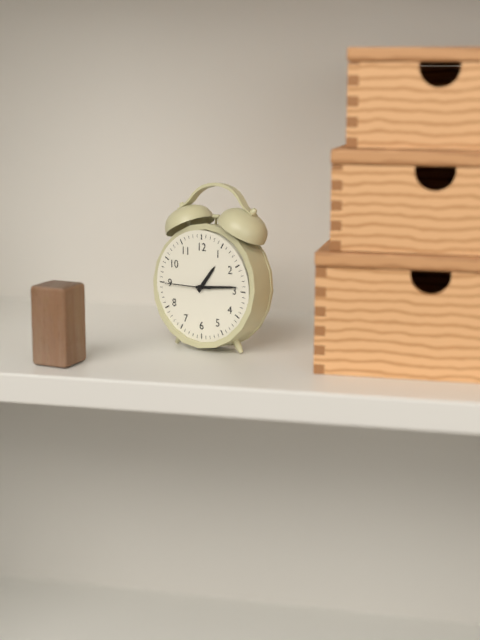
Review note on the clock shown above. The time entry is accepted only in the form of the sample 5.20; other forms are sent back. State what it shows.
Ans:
1.14
